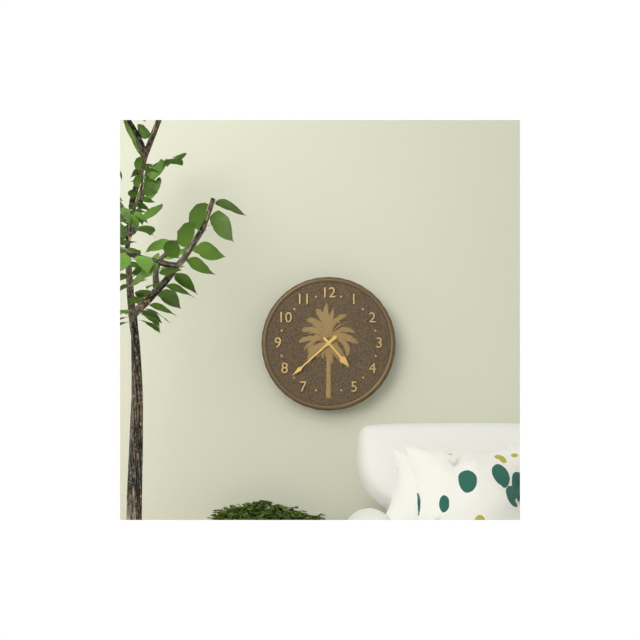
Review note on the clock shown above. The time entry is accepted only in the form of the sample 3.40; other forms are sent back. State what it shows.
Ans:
4.38
